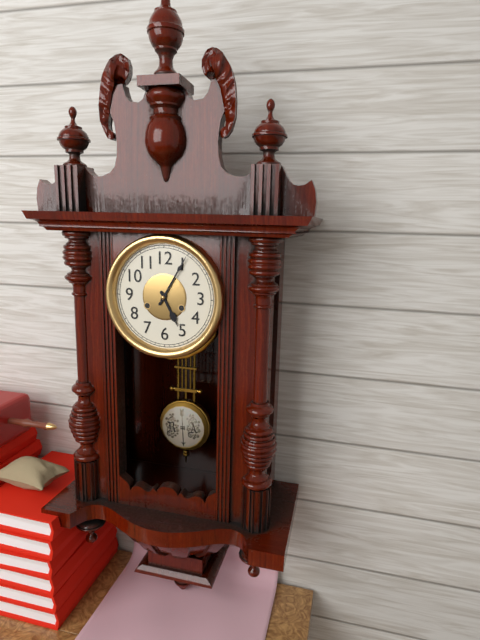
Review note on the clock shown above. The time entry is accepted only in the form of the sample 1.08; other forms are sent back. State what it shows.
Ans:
5.05
